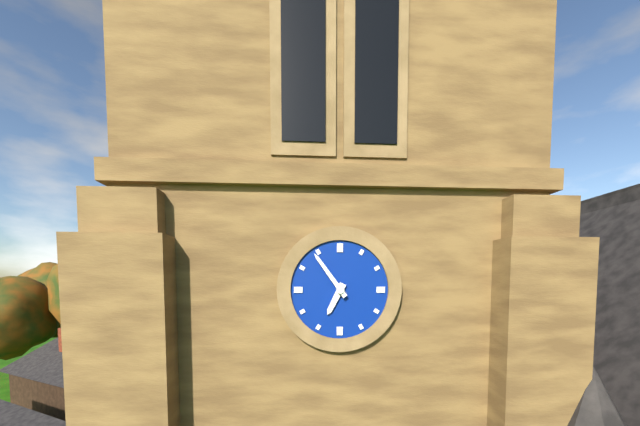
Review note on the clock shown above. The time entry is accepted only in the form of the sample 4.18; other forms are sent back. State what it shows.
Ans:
6.54
